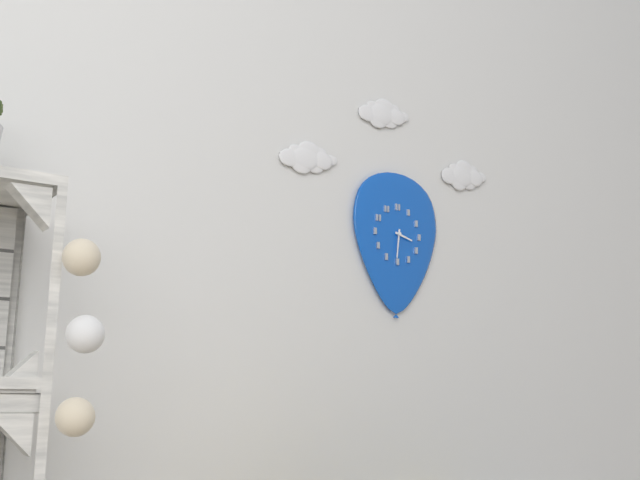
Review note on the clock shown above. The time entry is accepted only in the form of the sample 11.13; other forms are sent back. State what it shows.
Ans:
3.31
